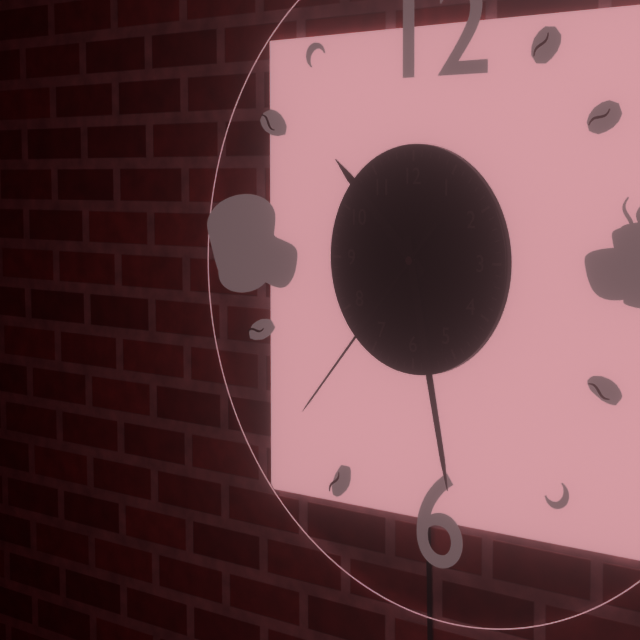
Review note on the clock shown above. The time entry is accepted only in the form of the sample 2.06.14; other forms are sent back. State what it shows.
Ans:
10.28.37
